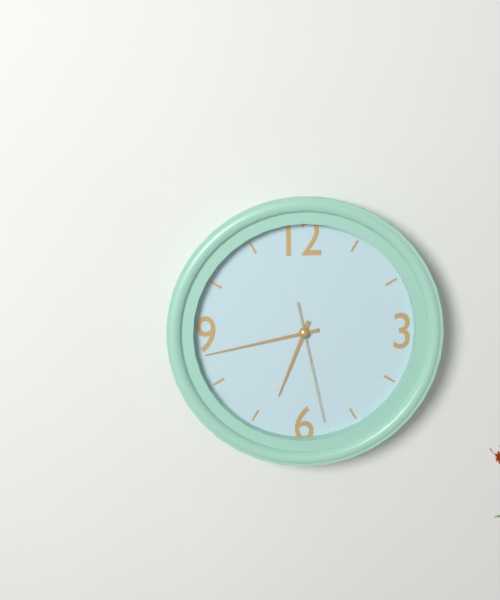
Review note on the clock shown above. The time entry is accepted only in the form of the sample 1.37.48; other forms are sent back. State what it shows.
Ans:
6.43.28
